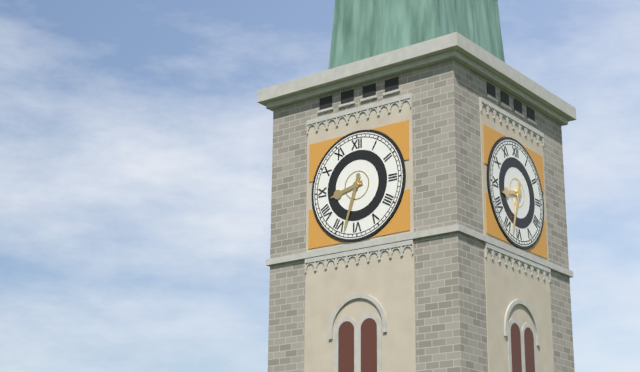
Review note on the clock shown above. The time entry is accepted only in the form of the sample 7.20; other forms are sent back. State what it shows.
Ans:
8.33
